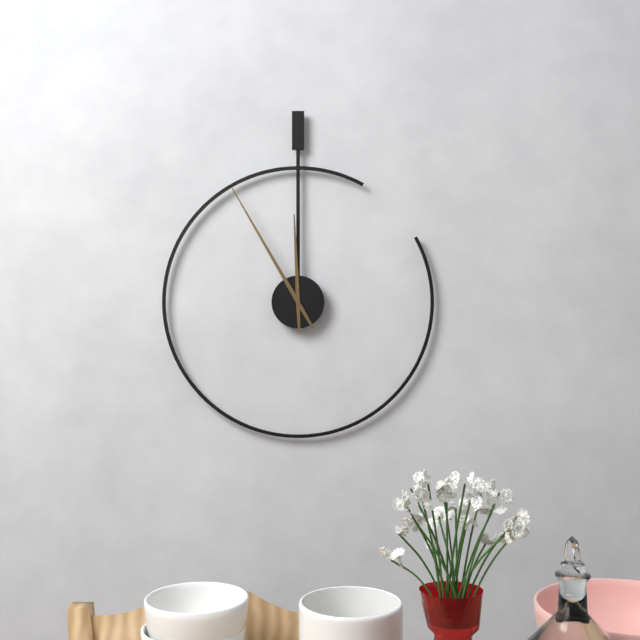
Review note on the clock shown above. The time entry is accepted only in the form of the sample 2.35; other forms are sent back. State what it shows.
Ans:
11.55
